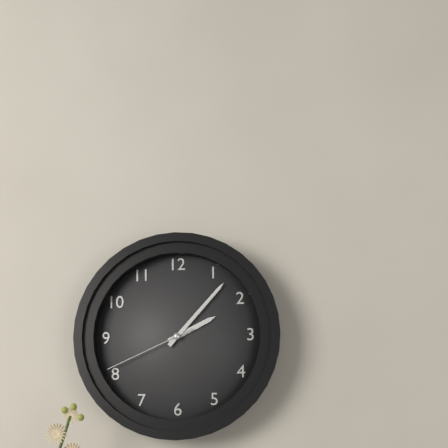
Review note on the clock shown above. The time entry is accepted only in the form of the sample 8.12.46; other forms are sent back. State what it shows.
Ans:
2.07.41
